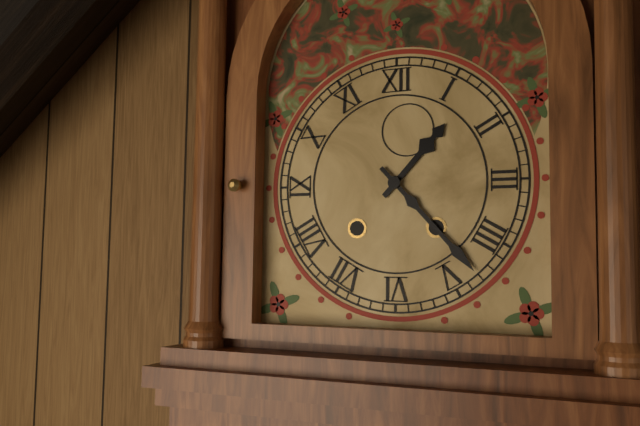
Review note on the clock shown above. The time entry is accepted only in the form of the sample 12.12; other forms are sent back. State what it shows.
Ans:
1.23
